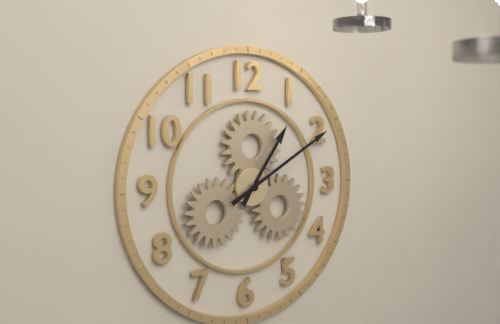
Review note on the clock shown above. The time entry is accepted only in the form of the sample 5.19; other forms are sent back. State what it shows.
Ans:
1.10
